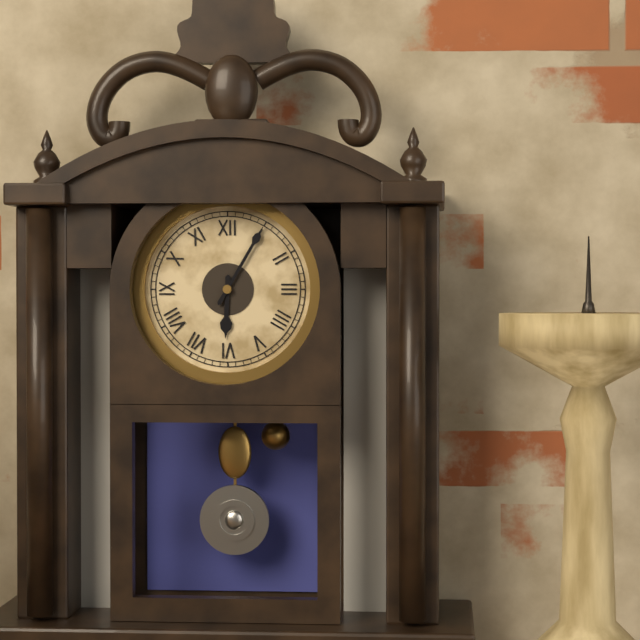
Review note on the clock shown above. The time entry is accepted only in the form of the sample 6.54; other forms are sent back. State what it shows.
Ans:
6.05
